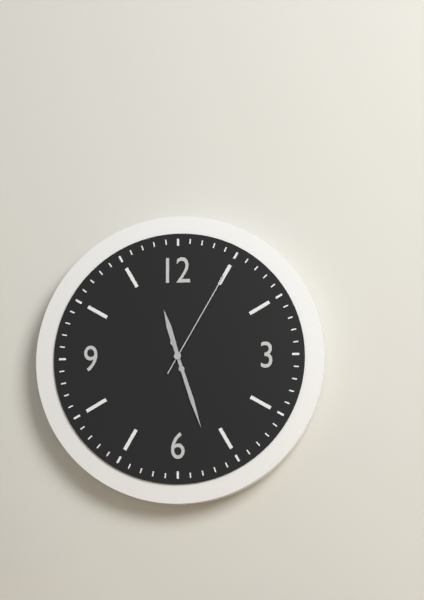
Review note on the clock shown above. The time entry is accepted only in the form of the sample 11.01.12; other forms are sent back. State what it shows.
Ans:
11.27.05
